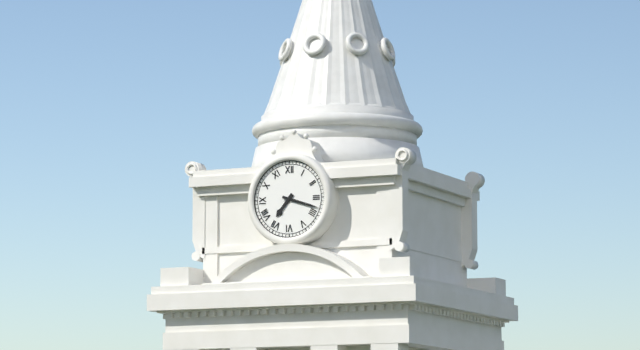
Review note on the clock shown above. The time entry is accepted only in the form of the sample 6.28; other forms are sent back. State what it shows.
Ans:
7.18
